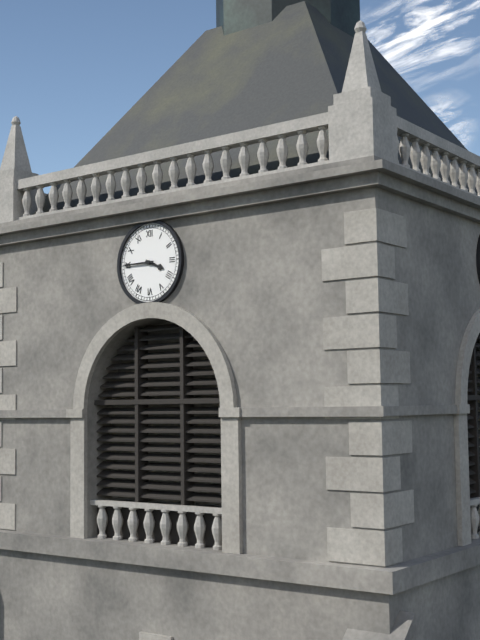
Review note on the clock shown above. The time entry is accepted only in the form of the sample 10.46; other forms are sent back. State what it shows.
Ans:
3.45
